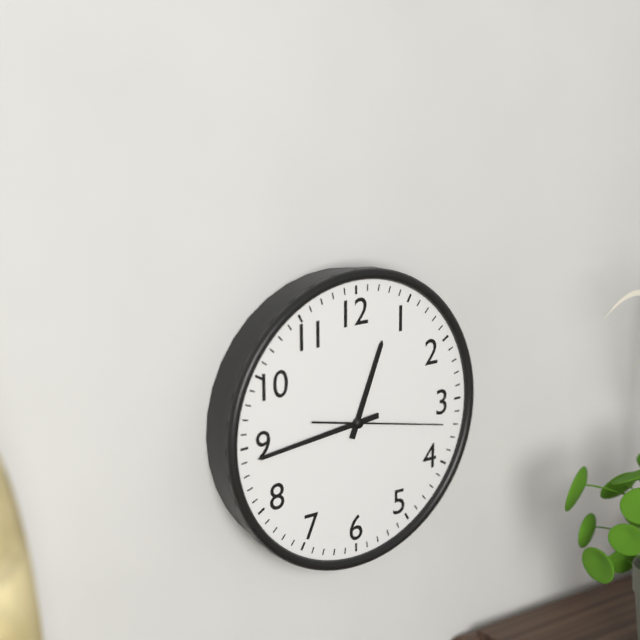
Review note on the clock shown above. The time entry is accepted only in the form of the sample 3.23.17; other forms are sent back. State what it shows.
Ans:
12.44.17
